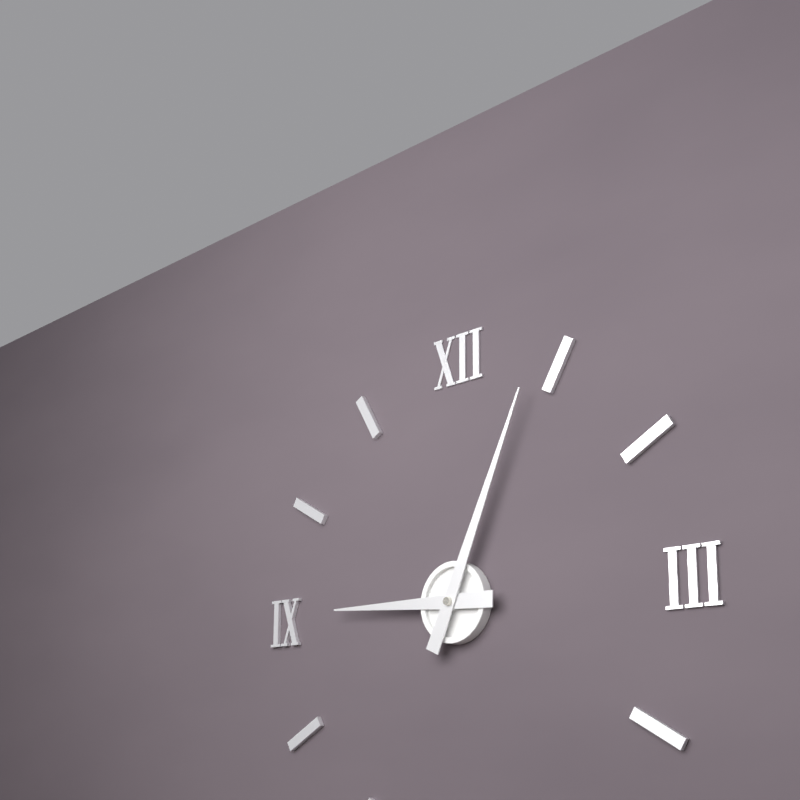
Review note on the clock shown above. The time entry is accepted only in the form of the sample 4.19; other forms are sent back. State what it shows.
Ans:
9.04
